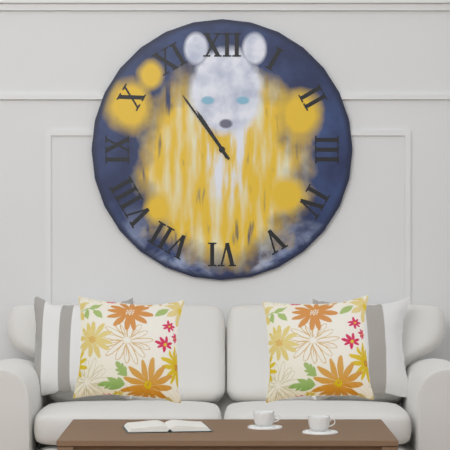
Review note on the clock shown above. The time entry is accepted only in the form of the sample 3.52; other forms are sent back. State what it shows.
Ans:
10.54
